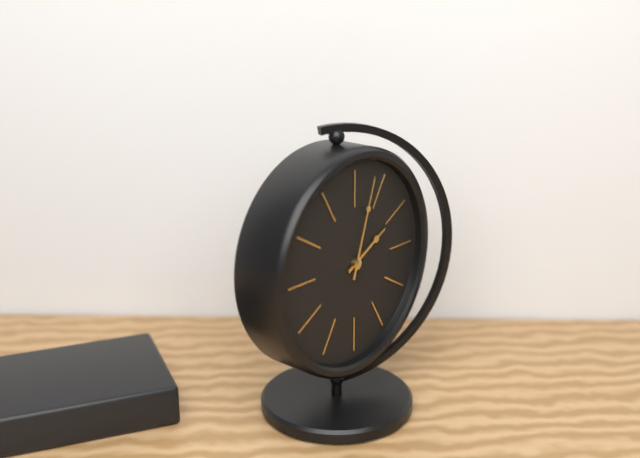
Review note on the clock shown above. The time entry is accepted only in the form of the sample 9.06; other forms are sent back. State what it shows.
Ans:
2.03
